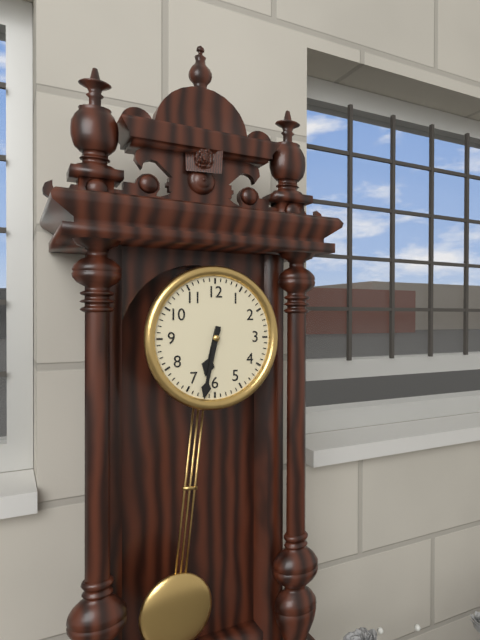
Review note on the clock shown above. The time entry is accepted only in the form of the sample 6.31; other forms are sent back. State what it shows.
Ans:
6.32
